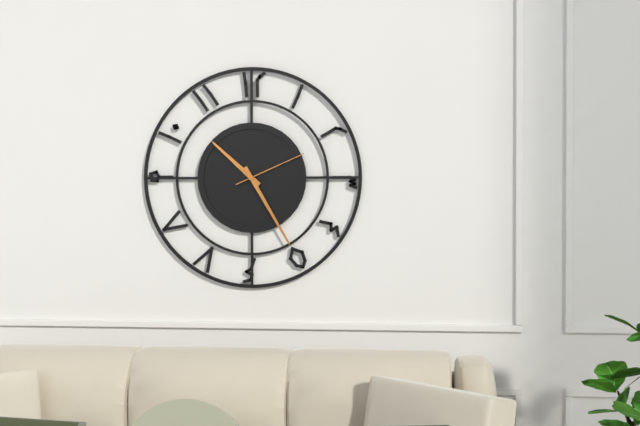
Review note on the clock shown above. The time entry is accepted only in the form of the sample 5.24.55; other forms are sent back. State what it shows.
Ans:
10.25.11
